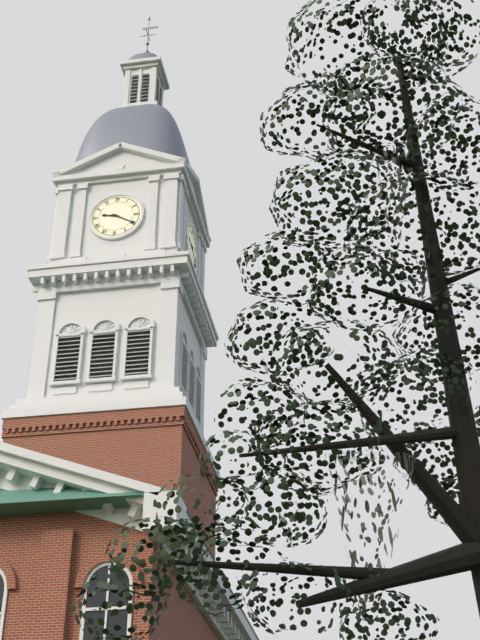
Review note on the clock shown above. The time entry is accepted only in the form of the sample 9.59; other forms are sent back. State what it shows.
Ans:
9.20
